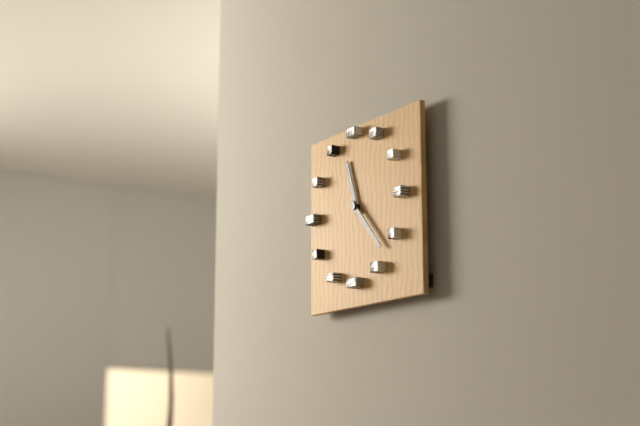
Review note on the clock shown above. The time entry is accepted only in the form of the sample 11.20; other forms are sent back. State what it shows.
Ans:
11.23
